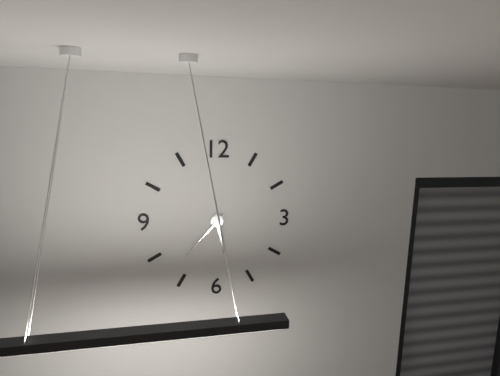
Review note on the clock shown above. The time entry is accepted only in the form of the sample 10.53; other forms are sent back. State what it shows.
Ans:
5.37
